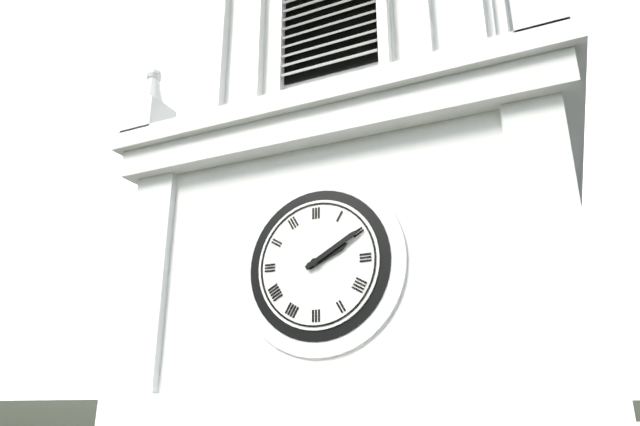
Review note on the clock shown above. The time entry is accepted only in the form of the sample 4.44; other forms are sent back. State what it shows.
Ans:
2.10
